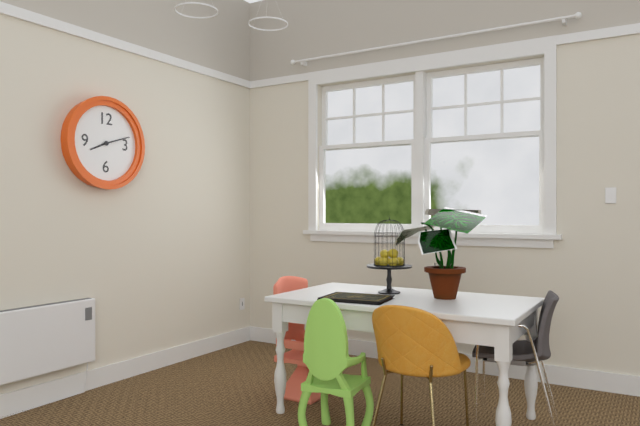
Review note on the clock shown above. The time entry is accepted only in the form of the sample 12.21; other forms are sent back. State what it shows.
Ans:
8.12
